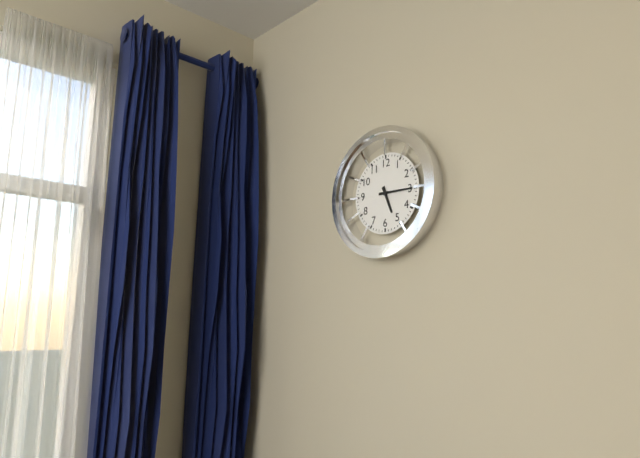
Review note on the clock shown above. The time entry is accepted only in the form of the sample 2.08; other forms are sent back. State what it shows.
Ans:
5.15
